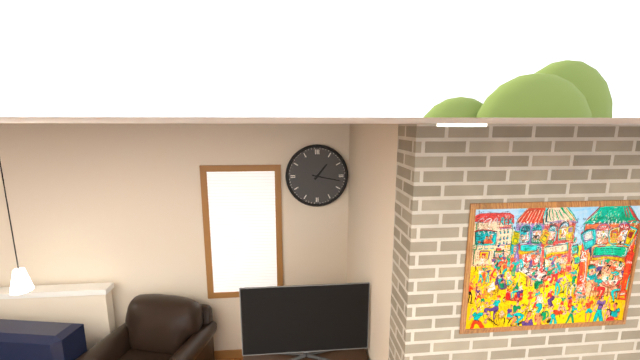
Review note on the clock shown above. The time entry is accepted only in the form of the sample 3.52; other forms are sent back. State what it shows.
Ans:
1.17
